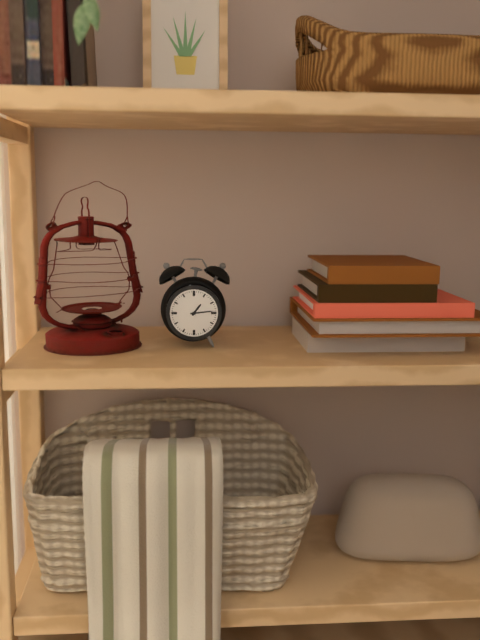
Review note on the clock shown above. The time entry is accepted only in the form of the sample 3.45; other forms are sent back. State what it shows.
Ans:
1.14
